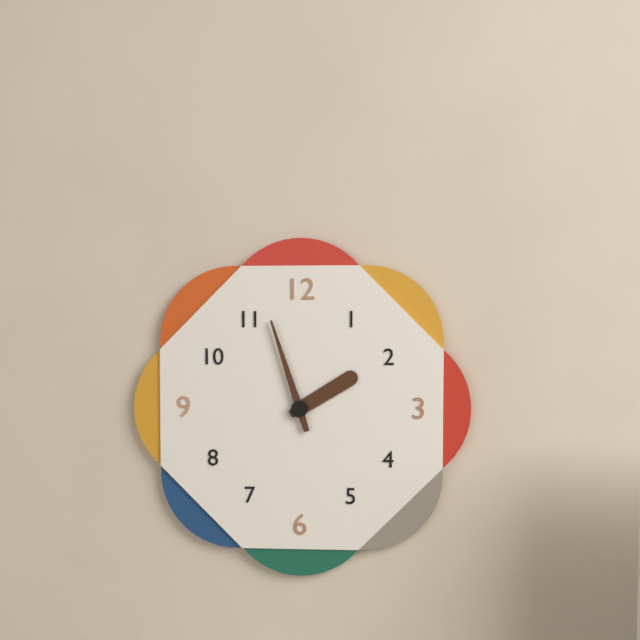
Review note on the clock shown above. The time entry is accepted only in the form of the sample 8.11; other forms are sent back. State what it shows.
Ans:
1.57
